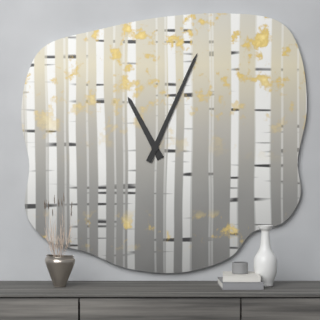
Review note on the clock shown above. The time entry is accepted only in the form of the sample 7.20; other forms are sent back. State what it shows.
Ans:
11.04
